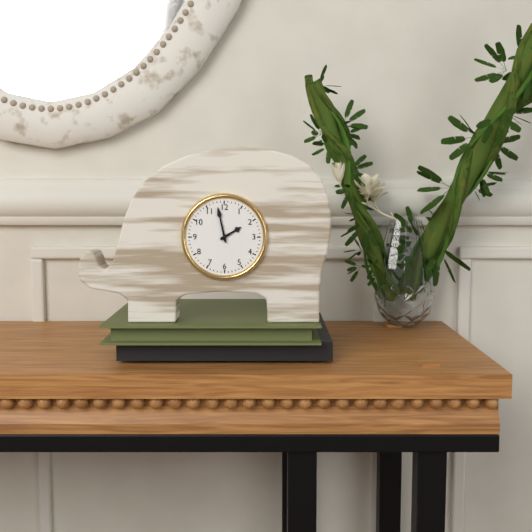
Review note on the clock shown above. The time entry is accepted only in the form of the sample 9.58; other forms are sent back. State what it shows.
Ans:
1.58
